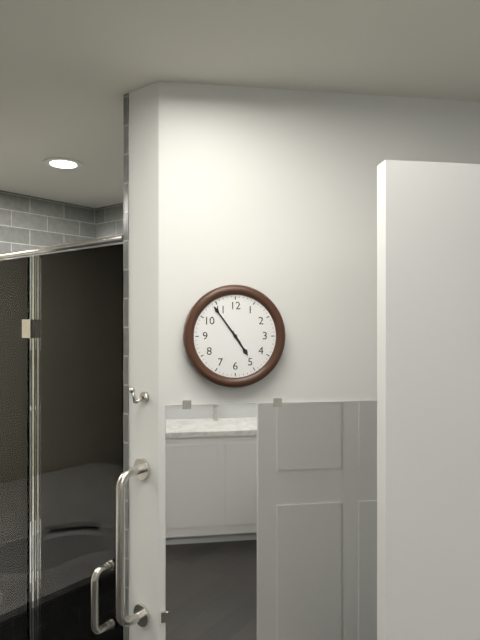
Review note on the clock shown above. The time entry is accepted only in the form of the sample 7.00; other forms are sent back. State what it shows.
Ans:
4.54
